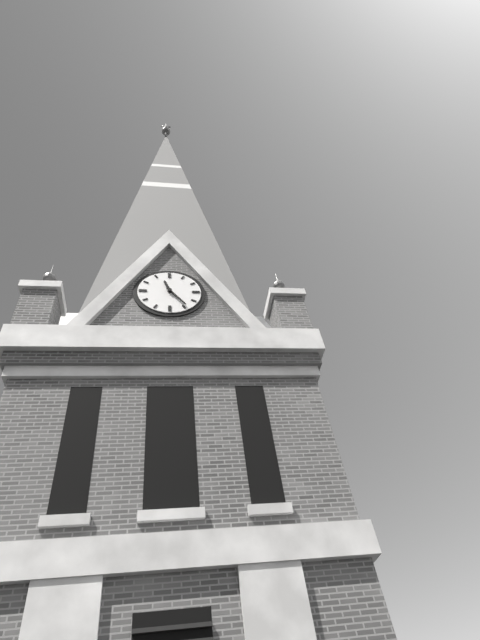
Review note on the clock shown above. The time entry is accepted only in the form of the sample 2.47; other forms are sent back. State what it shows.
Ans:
11.24
